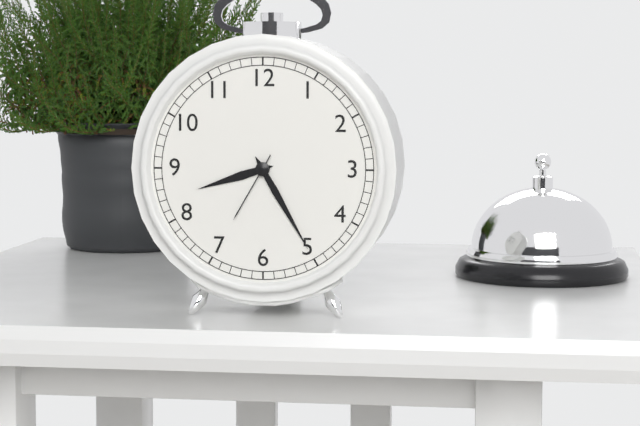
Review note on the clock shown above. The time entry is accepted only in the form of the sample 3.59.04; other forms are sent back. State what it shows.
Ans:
8.25.35
